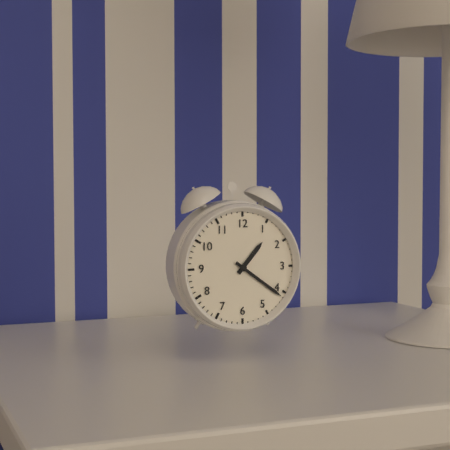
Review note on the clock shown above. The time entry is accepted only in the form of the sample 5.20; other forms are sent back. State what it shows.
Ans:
1.21
